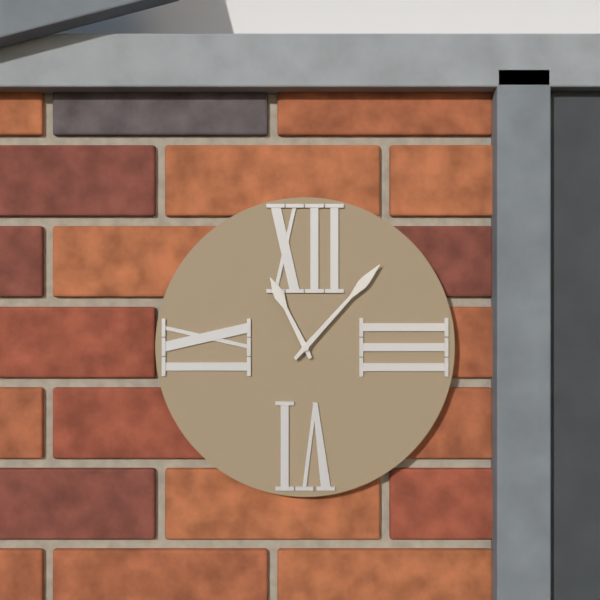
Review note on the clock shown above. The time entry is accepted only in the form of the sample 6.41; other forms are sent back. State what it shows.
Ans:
11.07
